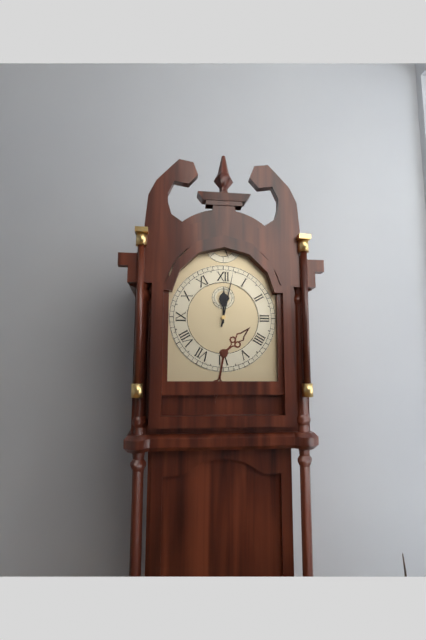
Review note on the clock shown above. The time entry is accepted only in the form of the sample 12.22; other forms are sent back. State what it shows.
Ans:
12.02
